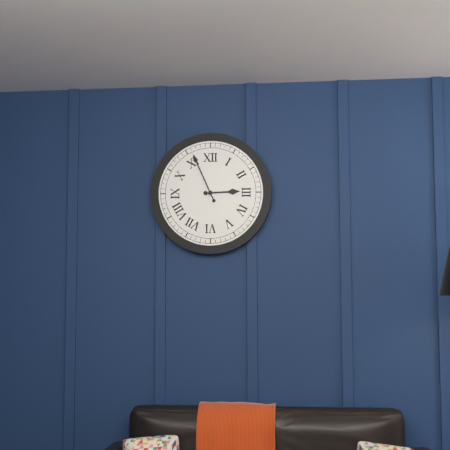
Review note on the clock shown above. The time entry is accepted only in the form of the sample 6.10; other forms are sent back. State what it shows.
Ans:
2.56
